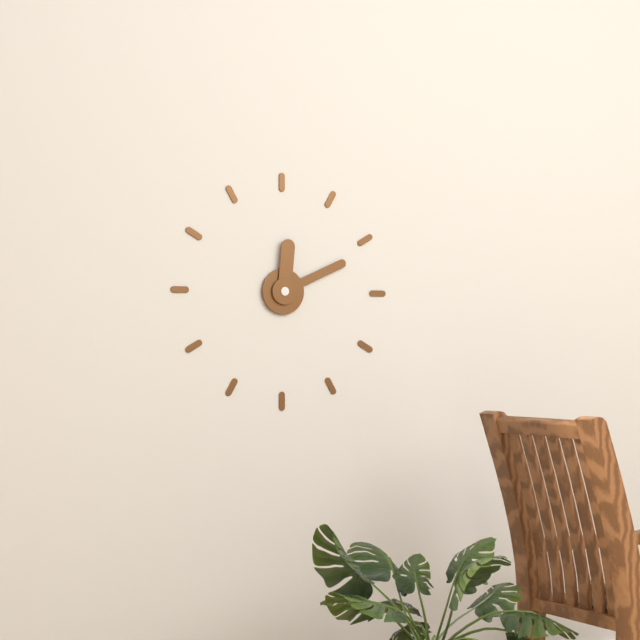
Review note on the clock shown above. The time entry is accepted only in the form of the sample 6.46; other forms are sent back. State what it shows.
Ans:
12.11
